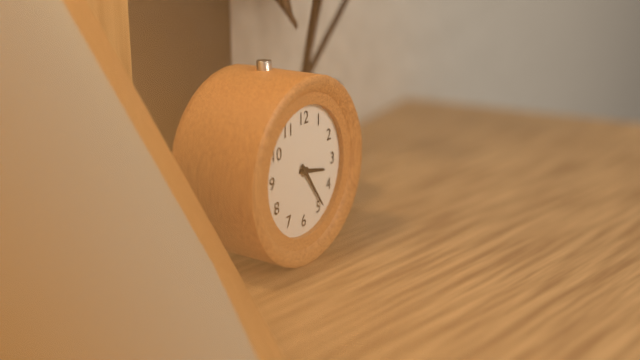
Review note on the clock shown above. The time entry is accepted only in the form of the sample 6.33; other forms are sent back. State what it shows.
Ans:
3.24
